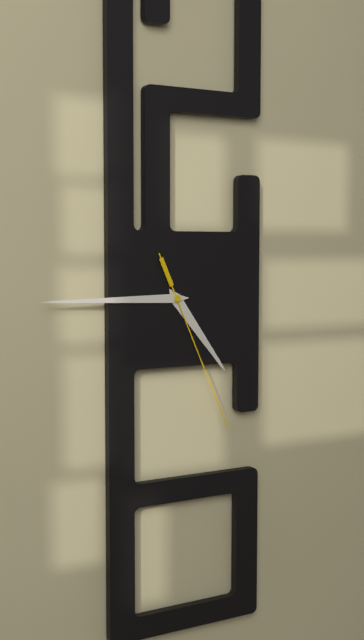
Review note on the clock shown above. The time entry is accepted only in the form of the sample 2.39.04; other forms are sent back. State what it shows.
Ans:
4.45.26
